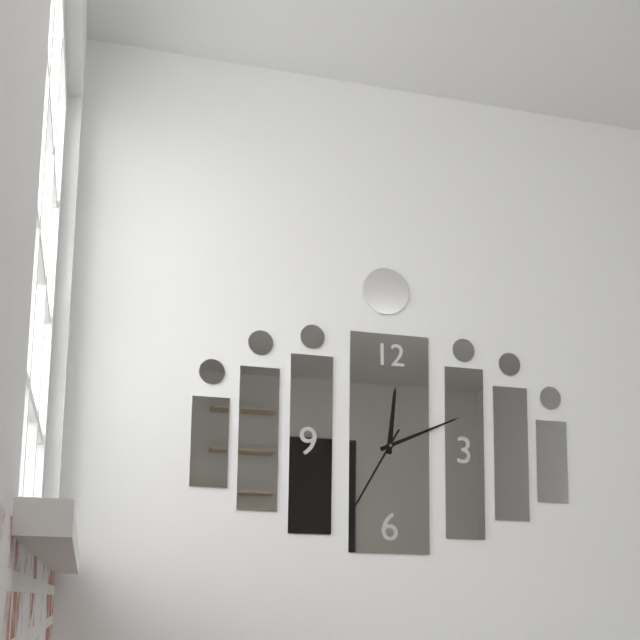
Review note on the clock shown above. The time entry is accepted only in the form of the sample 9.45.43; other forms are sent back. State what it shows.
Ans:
12.11.35
